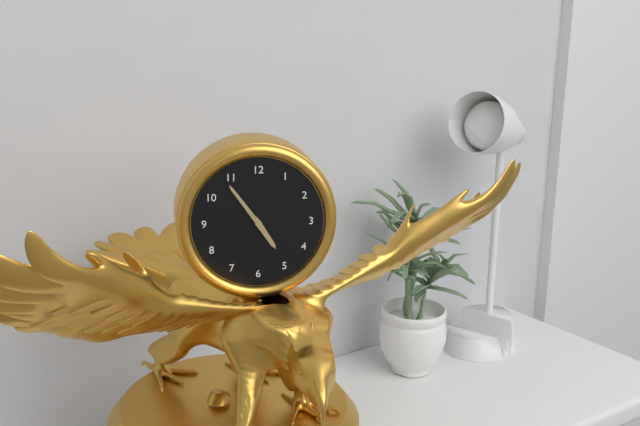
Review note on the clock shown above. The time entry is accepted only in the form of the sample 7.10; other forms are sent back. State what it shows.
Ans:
4.54
